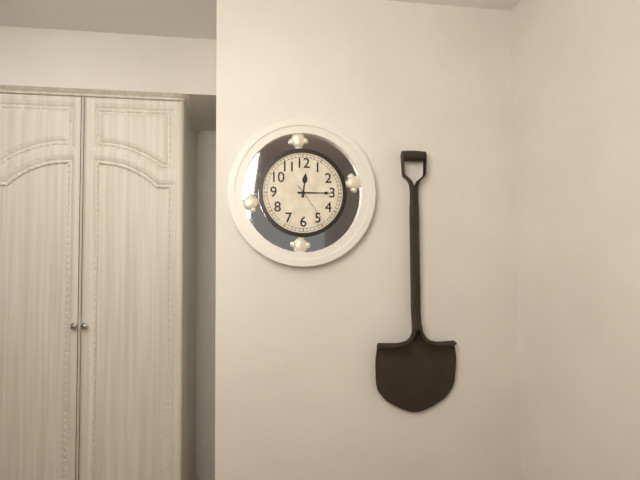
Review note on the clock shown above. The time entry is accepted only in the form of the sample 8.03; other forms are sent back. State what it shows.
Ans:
12.15
